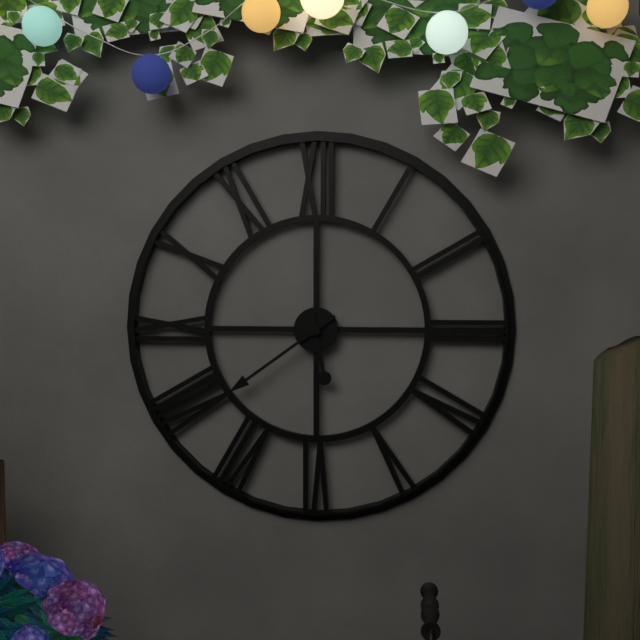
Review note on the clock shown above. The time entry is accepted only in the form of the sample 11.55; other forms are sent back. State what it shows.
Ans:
5.39
